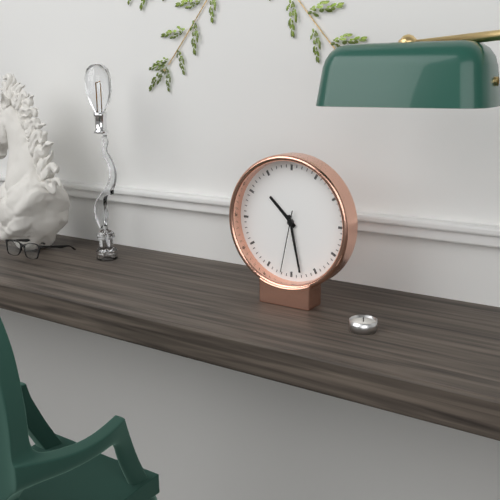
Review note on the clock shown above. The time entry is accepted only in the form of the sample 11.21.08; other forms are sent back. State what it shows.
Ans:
10.28.32
